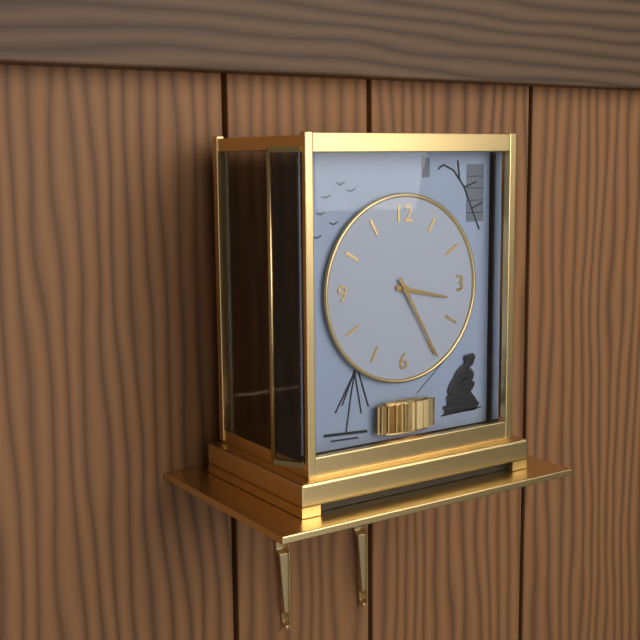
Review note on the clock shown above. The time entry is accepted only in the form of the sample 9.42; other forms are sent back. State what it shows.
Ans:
3.25
